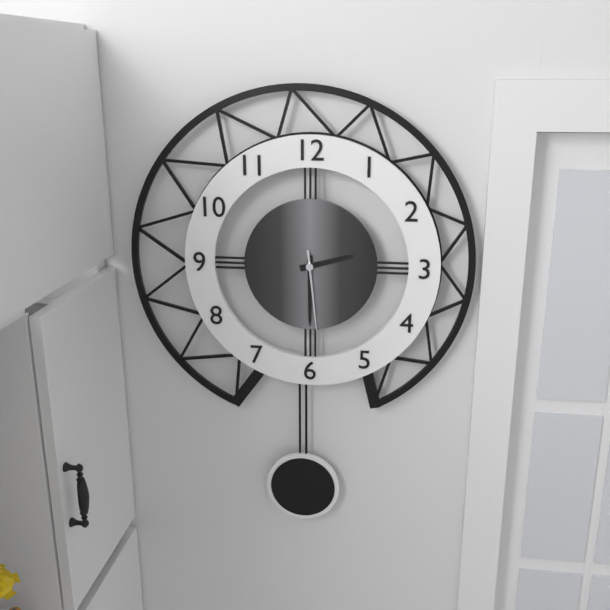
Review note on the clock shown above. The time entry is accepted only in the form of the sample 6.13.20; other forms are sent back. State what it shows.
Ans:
2.30.29
